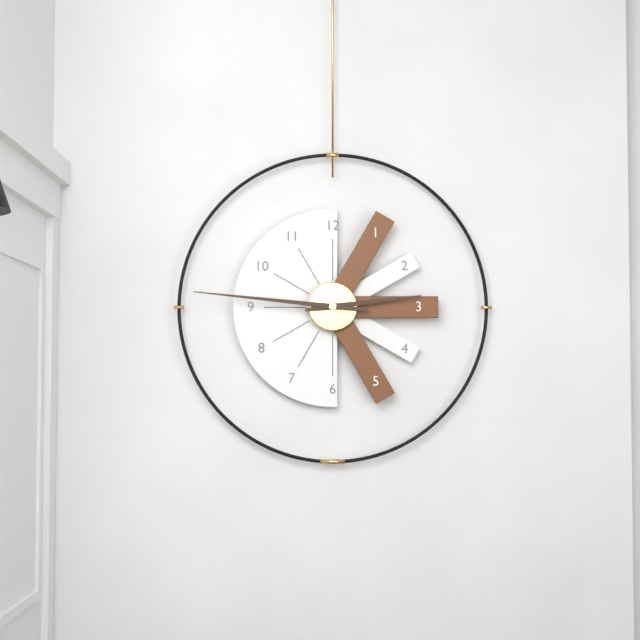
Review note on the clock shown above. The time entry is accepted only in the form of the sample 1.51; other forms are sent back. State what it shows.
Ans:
2.46
